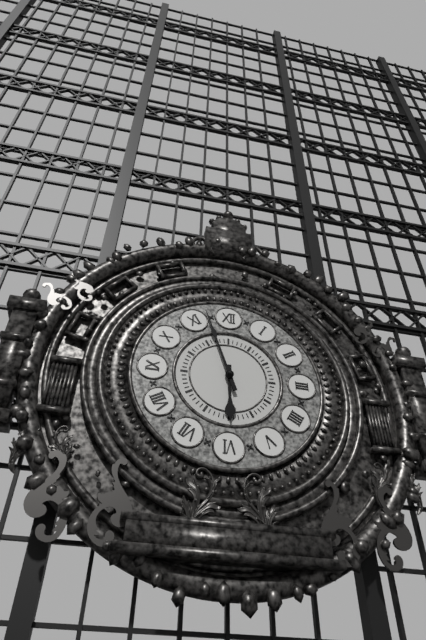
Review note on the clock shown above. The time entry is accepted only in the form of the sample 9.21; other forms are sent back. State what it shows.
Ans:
5.57
